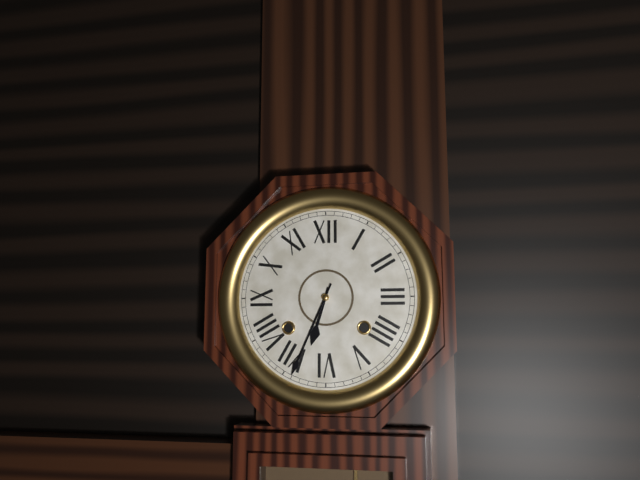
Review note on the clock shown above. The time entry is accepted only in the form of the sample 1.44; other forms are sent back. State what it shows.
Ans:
6.34
